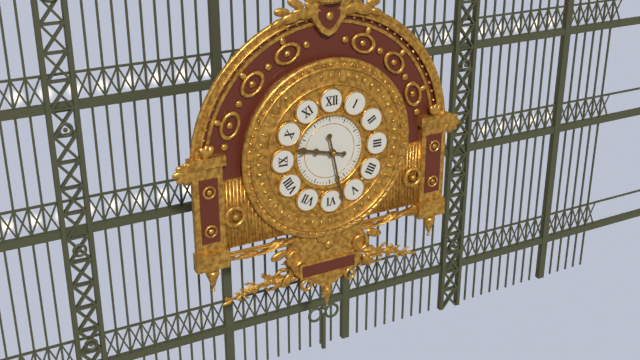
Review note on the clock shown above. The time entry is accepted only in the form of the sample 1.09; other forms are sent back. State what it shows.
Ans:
9.28
